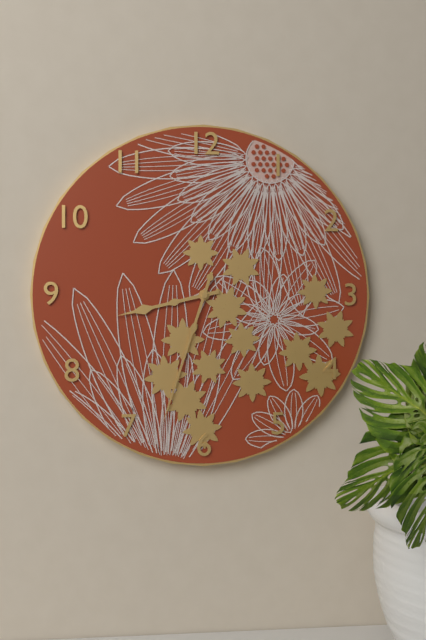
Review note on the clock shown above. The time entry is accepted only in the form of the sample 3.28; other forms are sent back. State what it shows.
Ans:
8.33
